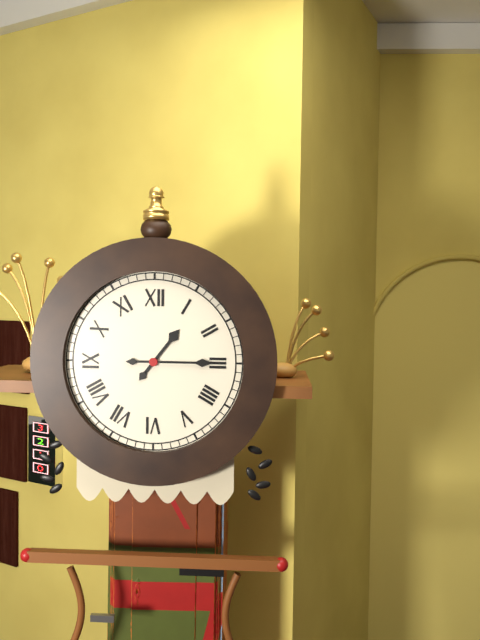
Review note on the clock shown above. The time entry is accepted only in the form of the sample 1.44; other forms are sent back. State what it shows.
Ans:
1.15
